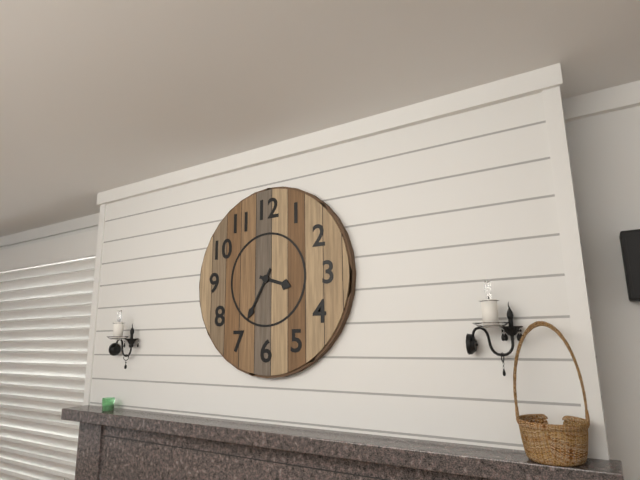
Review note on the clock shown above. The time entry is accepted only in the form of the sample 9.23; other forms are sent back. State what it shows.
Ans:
3.35
